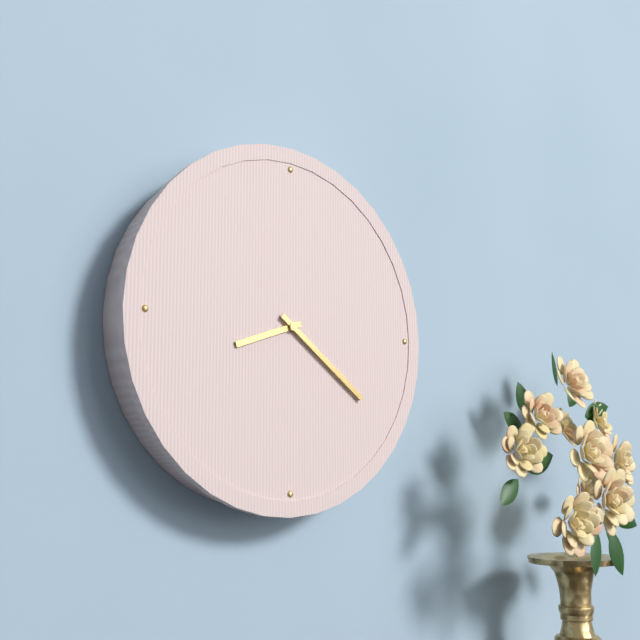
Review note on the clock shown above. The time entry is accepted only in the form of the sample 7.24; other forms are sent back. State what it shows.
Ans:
8.21
